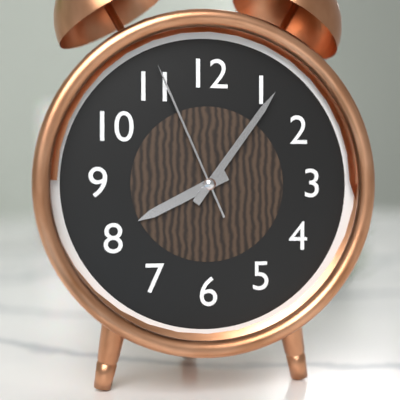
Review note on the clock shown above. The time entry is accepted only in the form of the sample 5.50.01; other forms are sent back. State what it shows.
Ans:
8.06.56
